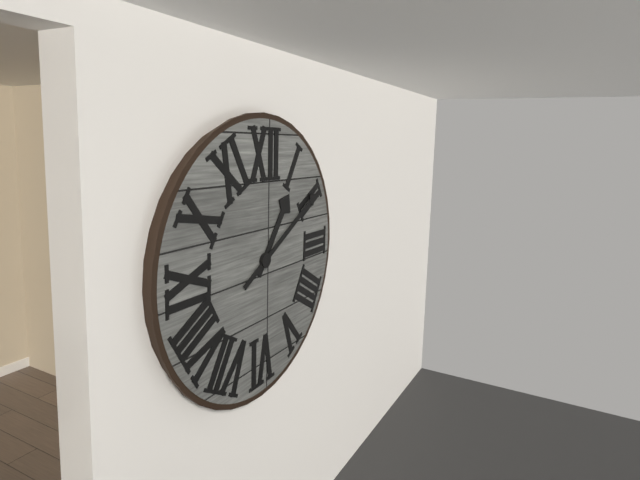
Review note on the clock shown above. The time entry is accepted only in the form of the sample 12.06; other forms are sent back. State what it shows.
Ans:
1.10
